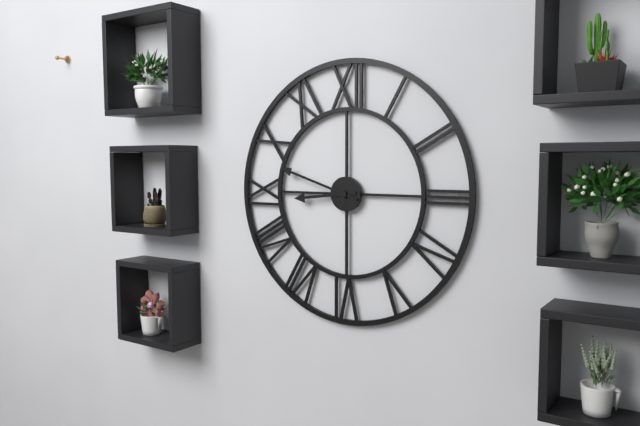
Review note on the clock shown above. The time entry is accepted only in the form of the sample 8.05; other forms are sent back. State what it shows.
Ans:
8.48
